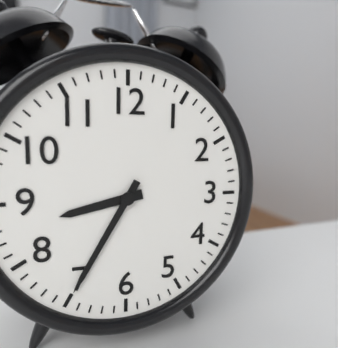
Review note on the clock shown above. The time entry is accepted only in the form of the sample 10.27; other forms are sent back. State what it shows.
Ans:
8.35
